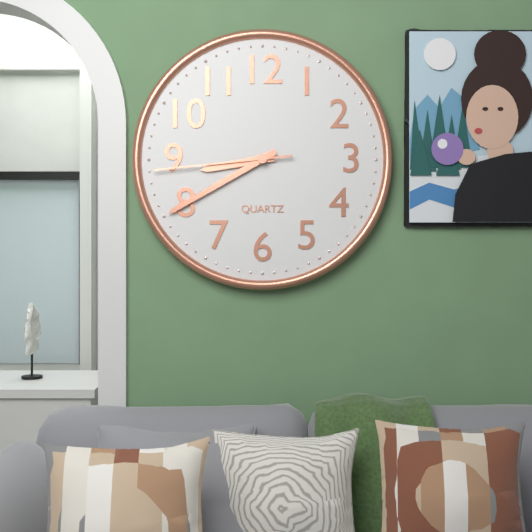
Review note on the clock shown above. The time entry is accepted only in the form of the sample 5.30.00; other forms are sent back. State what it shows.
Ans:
8.40.44
